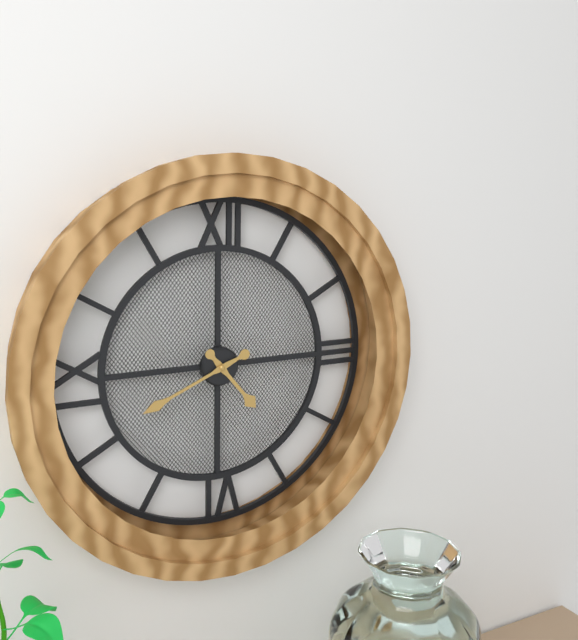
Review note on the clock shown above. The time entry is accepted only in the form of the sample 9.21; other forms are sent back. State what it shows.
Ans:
4.41
